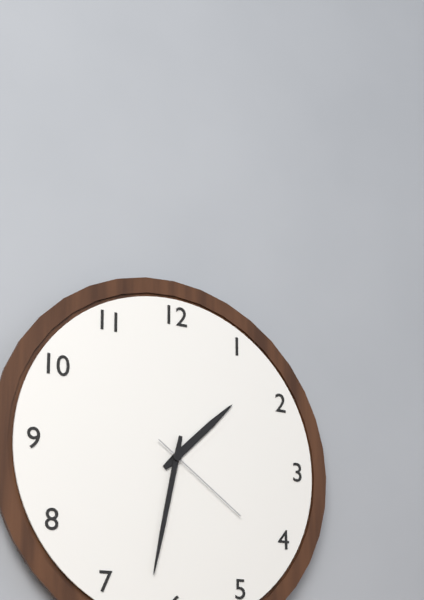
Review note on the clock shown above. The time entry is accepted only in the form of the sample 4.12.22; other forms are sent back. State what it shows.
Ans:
1.32.21
